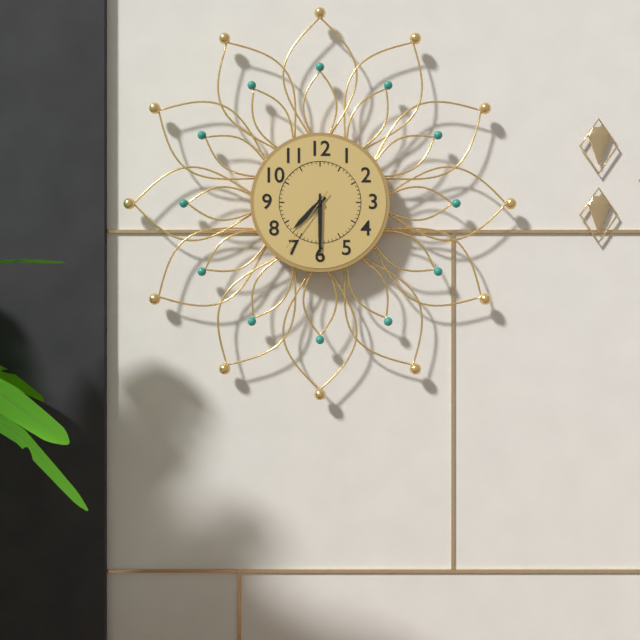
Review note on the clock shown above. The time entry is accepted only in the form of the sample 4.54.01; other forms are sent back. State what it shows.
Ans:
7.30.36
